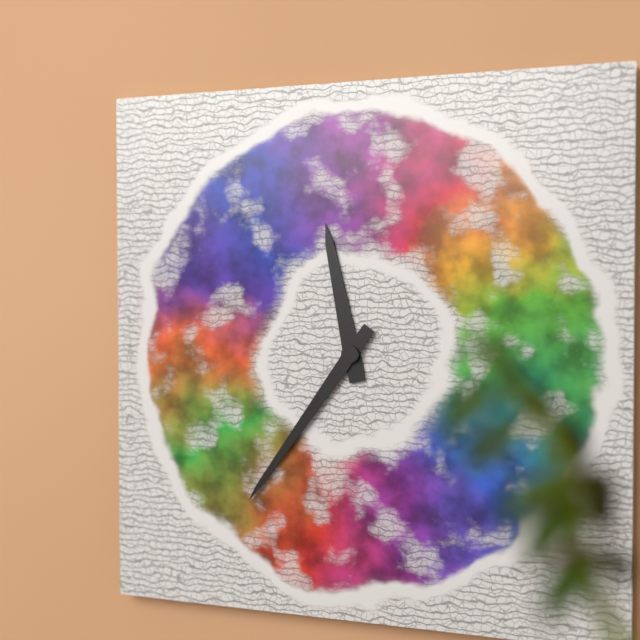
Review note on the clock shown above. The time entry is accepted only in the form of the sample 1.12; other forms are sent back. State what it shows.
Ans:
11.36
